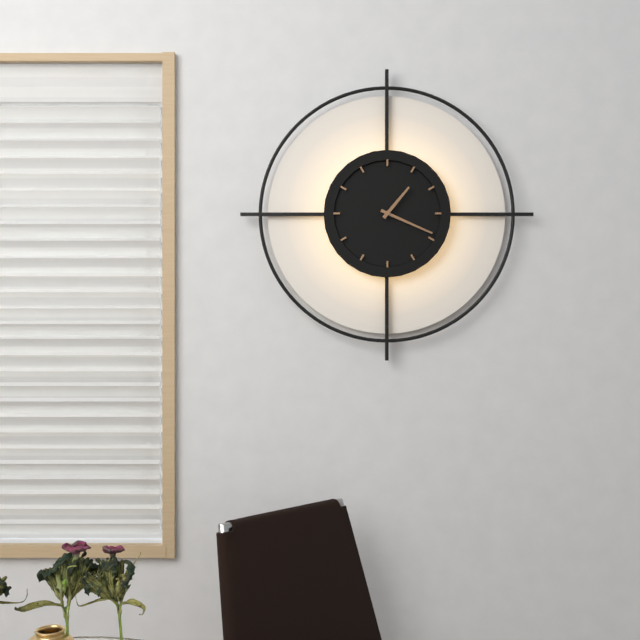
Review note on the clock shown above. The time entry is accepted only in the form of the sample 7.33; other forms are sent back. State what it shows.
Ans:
1.19
